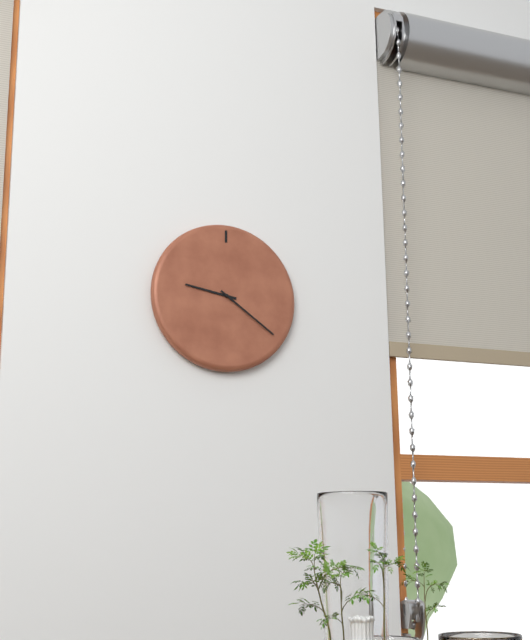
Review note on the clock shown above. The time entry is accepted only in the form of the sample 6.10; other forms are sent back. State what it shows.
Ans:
9.21
